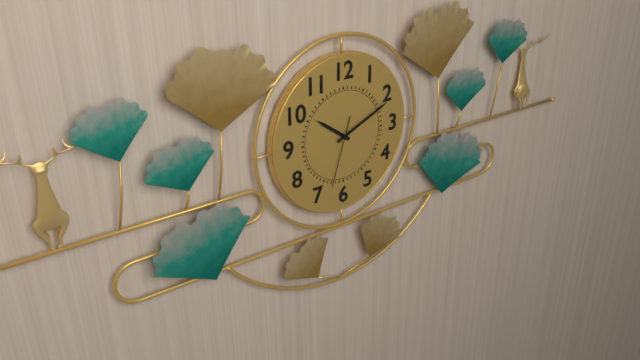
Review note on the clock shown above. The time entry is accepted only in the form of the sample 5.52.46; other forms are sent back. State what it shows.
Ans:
10.11.33
